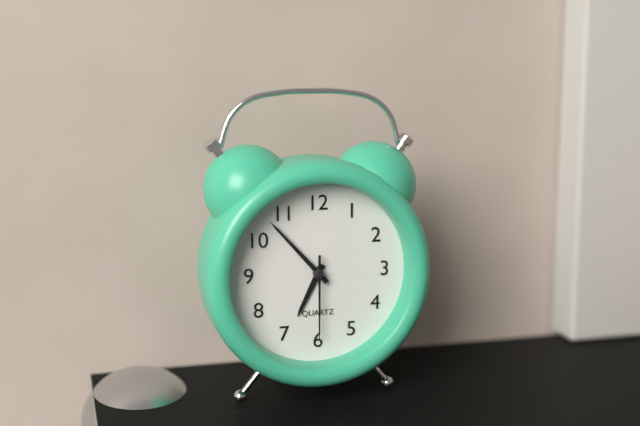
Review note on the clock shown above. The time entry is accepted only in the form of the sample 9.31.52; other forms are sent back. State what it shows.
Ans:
6.53.30
